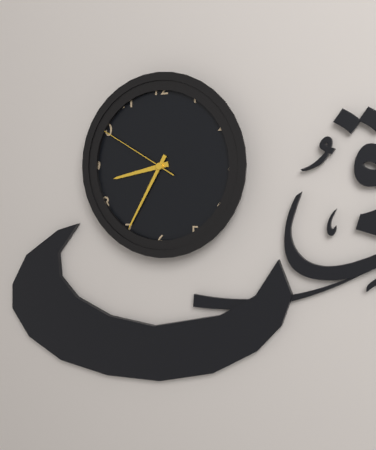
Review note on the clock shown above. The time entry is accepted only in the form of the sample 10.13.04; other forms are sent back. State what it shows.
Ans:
8.35.50
